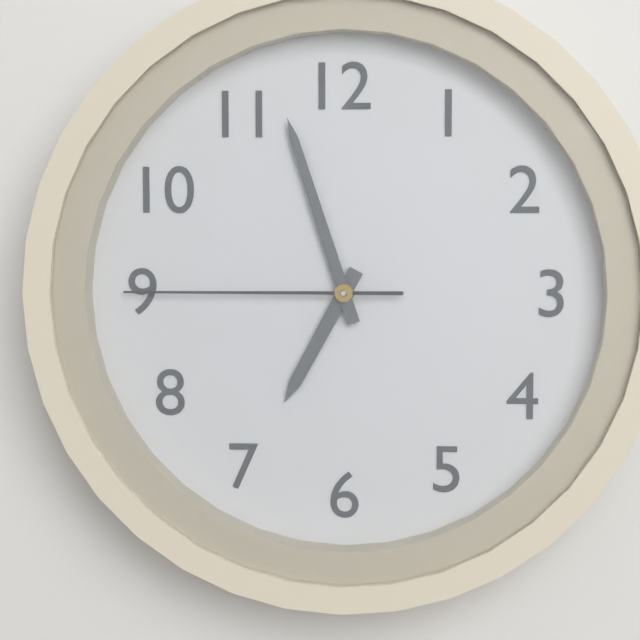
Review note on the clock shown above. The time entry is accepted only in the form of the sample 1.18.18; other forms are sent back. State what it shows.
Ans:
6.57.45
